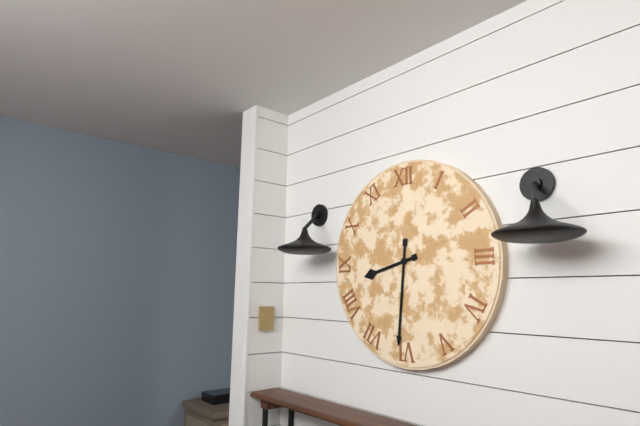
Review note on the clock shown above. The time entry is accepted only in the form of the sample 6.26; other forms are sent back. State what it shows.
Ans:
8.31
